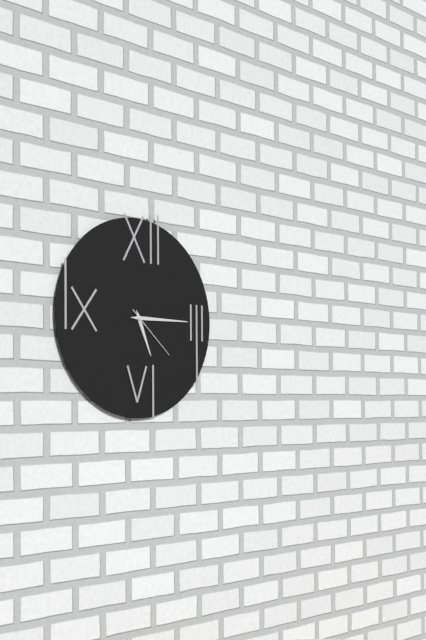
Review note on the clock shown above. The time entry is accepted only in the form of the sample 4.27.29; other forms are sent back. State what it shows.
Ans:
5.15.22
